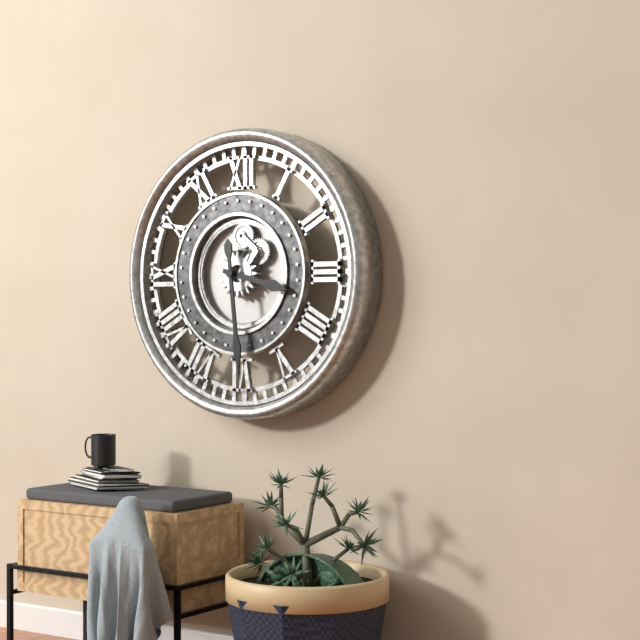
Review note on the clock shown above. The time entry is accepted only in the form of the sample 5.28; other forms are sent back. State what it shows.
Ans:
3.29
